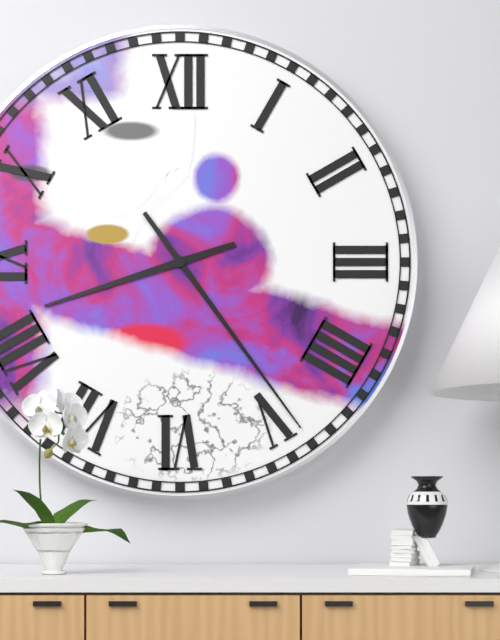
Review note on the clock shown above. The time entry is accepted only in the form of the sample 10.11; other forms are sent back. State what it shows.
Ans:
8.24
